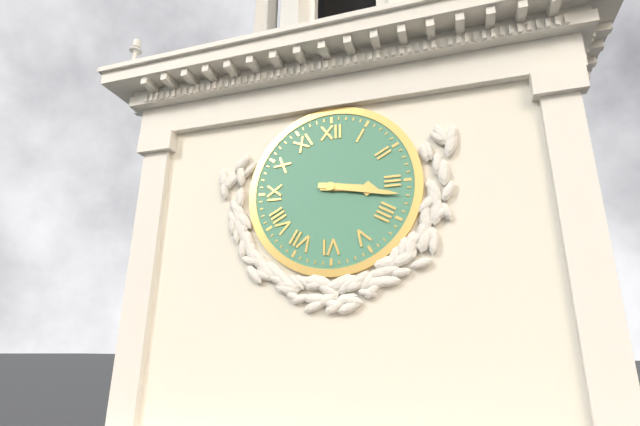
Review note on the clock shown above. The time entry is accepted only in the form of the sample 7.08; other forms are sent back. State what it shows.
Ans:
3.17
